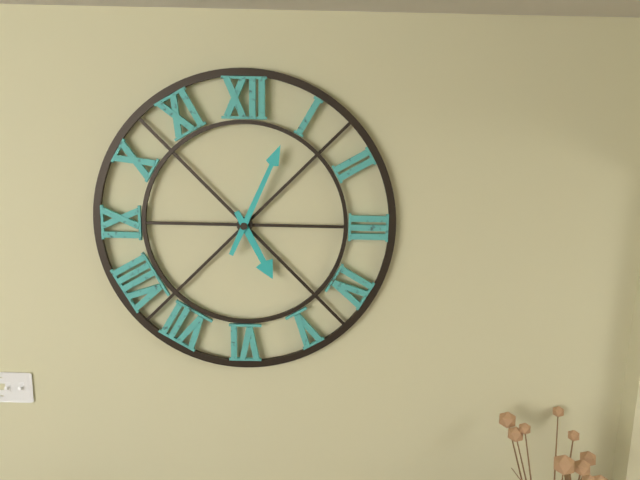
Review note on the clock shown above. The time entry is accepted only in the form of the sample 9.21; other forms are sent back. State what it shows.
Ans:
5.04
